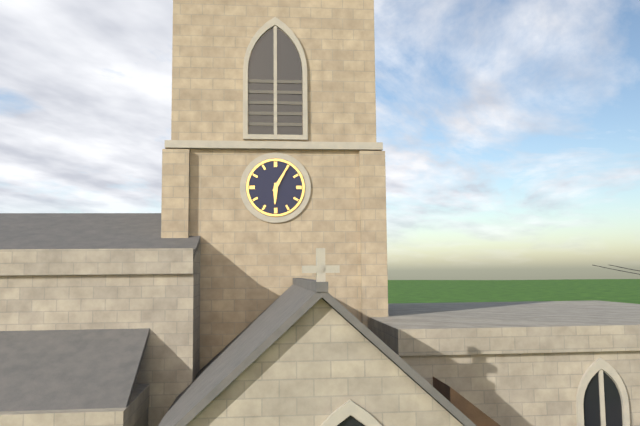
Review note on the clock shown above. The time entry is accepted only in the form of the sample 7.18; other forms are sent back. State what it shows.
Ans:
6.05
